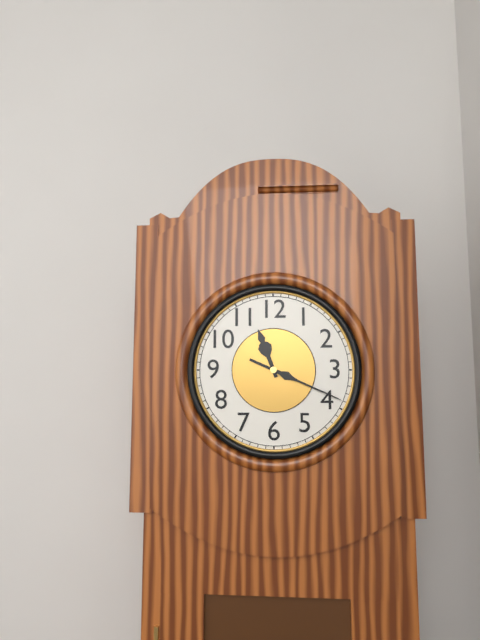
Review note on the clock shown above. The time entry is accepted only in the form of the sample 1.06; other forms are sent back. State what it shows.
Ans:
11.19
